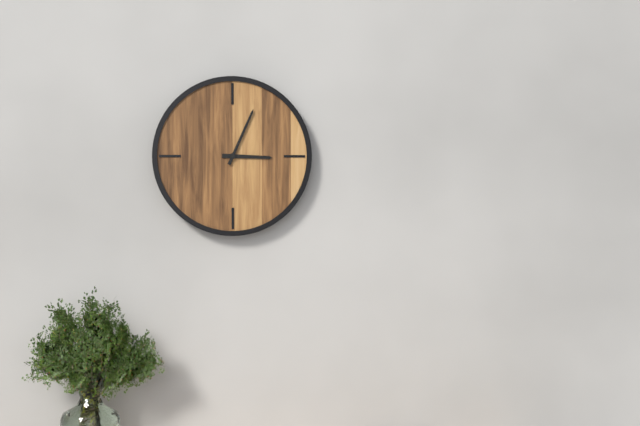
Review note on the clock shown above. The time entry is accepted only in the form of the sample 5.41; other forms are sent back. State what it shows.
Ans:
3.04
